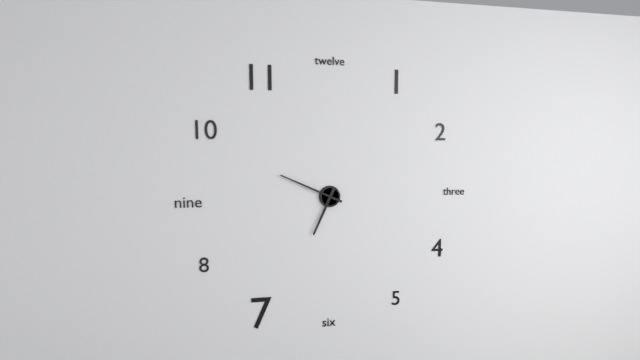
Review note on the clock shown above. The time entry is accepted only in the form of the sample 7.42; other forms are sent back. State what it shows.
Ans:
6.49
